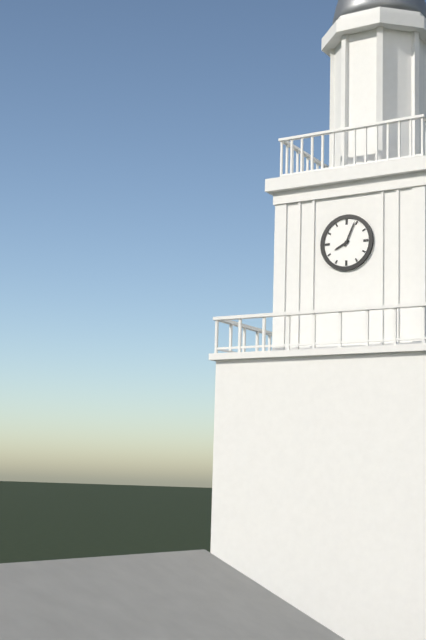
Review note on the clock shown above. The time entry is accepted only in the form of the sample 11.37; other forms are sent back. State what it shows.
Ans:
8.04
